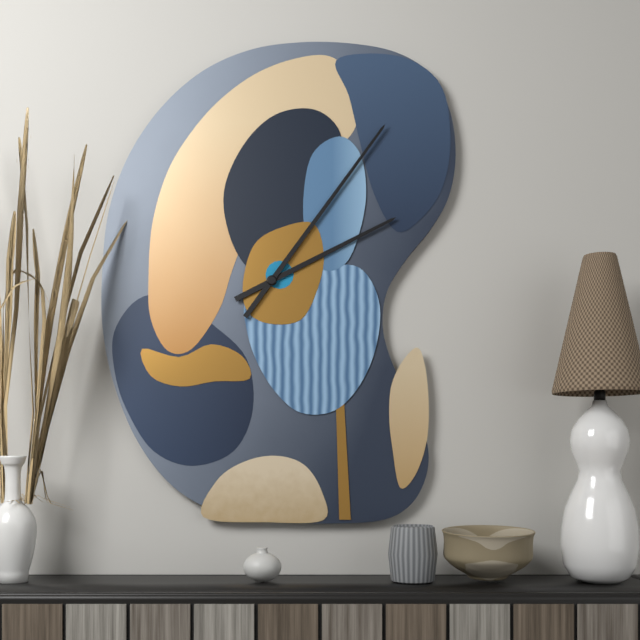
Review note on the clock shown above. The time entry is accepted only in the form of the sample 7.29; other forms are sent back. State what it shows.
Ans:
2.06
